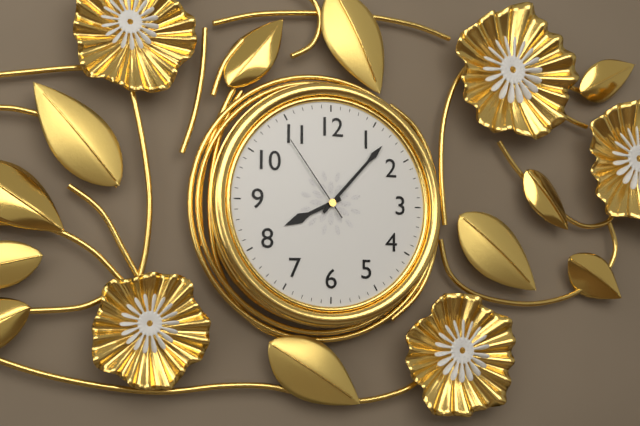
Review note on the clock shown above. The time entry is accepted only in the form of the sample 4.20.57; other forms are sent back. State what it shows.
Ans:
8.07.54
